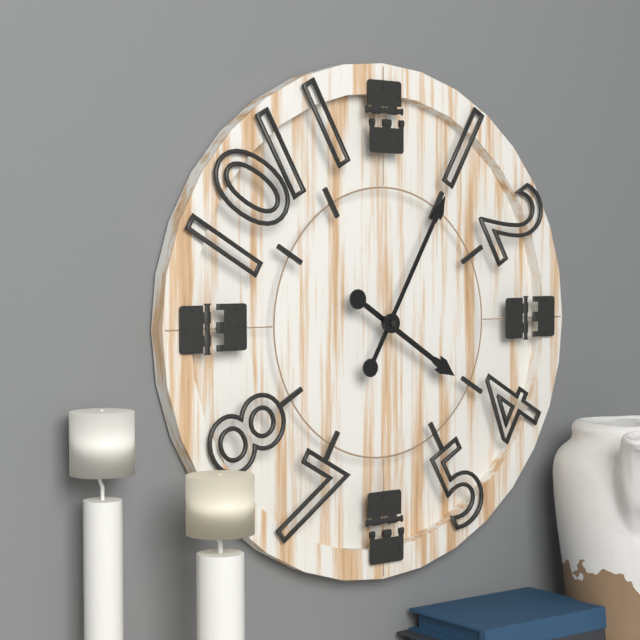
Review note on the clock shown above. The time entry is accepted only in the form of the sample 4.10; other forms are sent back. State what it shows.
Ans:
4.05
